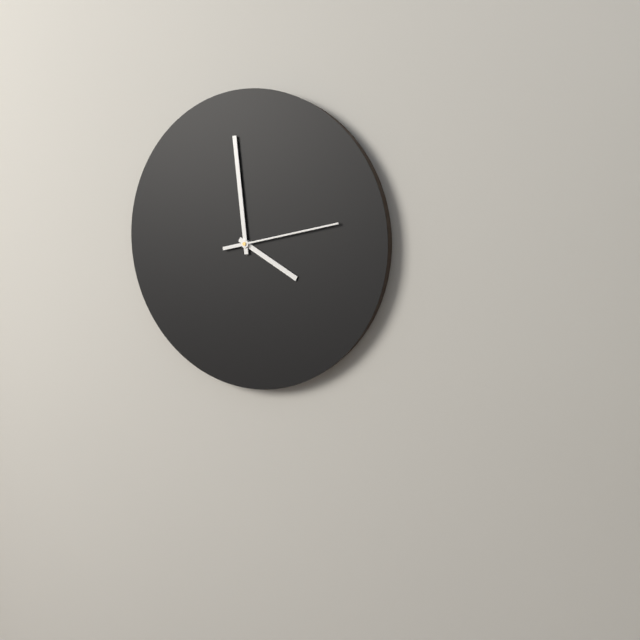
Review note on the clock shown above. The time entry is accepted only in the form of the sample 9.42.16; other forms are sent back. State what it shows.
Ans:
3.59.13
